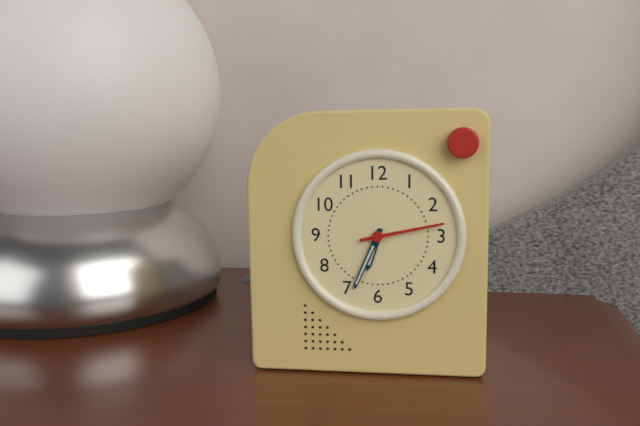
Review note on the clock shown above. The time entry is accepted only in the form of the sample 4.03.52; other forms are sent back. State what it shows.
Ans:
6.34.13
